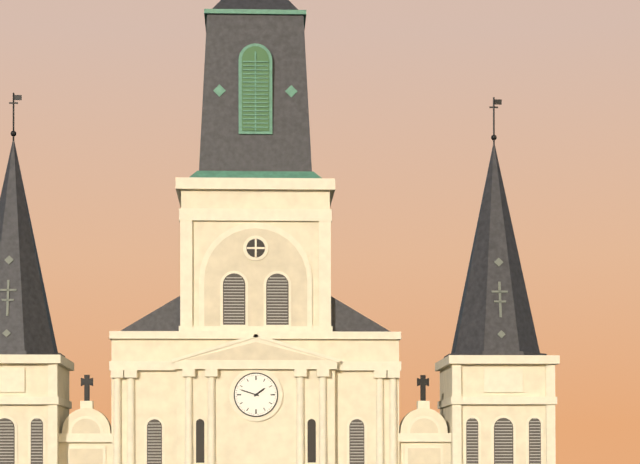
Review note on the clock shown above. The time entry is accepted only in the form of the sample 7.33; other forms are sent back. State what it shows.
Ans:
1.48
